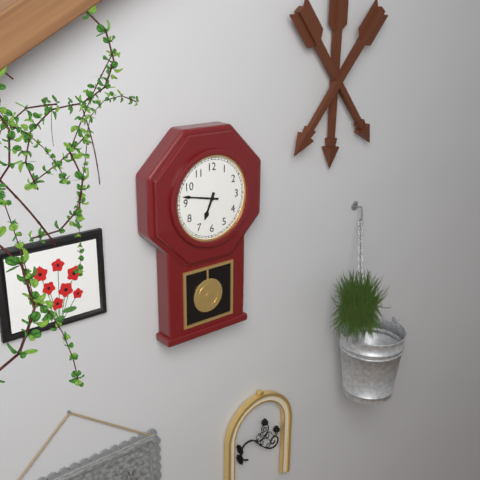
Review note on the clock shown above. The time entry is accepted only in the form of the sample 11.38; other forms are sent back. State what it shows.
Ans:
6.47
